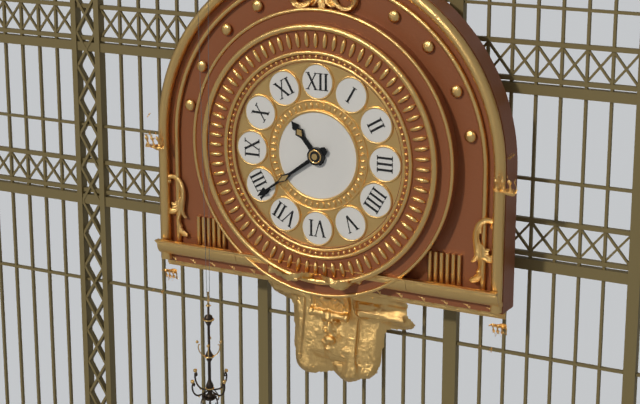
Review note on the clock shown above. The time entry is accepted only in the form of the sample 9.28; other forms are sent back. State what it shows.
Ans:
10.39
